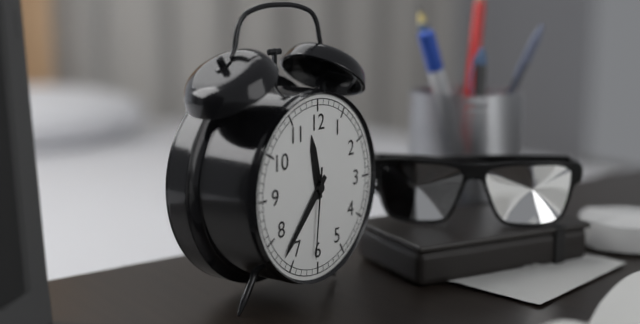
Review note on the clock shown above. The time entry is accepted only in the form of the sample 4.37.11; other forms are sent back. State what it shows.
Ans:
11.37.31
